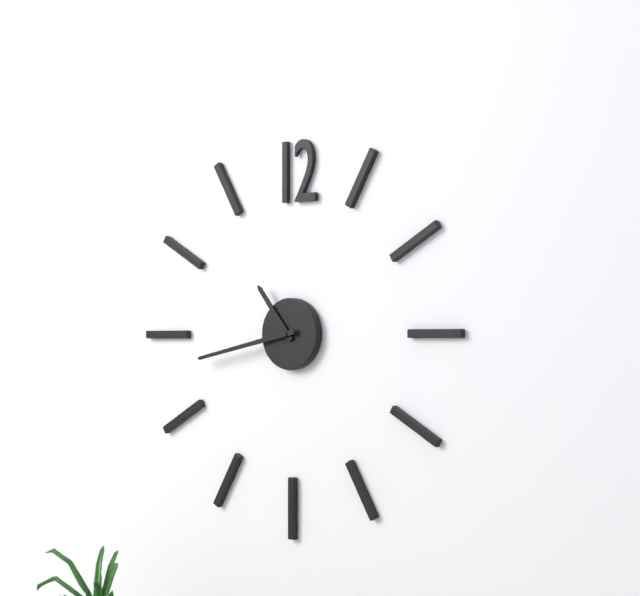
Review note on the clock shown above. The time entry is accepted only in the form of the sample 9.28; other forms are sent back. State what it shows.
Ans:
10.43
